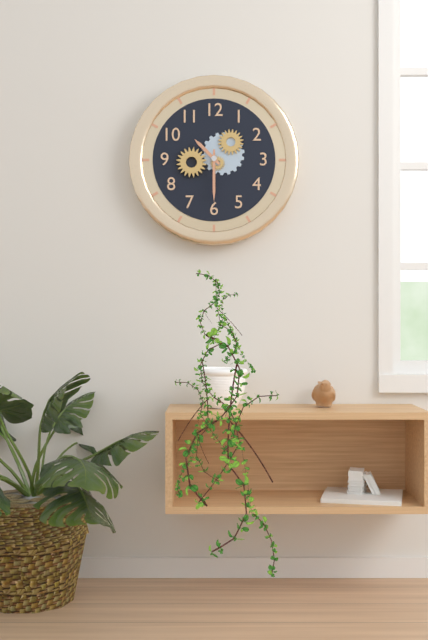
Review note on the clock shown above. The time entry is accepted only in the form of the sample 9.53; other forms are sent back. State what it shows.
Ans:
10.30
